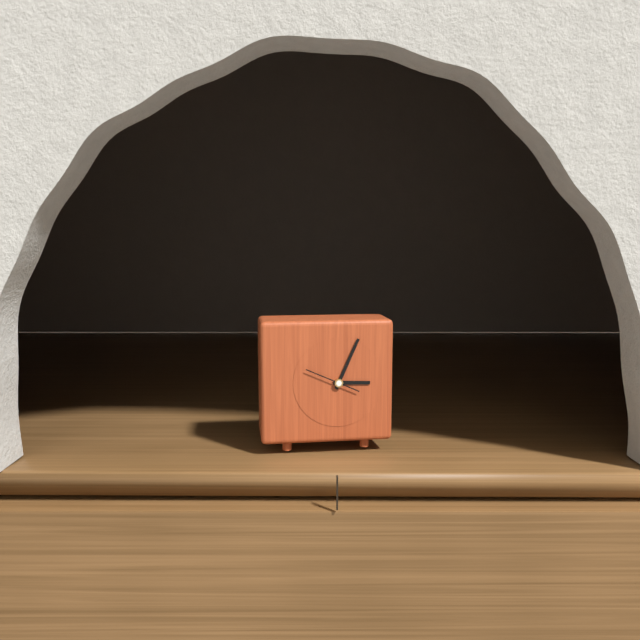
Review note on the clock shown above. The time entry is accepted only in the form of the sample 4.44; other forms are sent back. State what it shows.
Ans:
3.04
